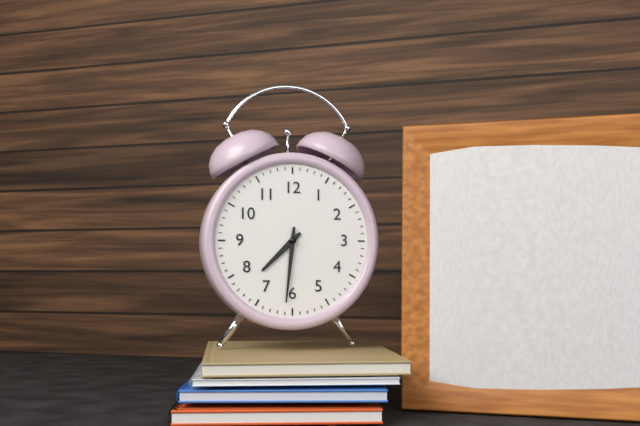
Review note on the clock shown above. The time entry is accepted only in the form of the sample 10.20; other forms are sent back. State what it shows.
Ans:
7.31
